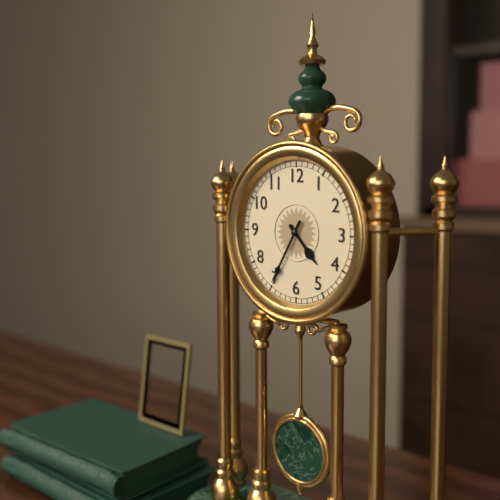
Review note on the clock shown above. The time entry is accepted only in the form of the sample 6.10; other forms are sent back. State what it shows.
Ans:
4.35
